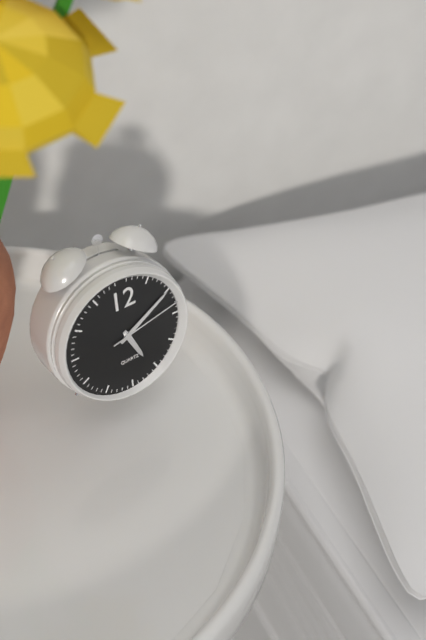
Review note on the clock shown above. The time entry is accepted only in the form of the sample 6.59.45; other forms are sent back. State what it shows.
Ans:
5.10.13
